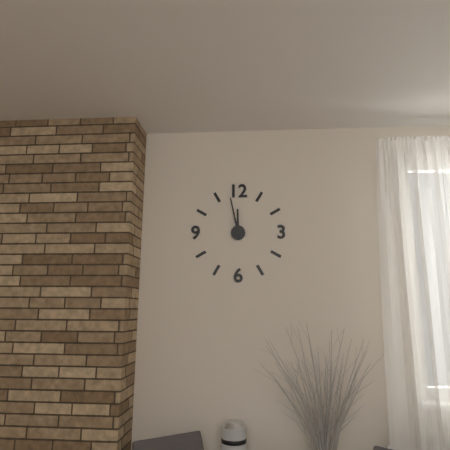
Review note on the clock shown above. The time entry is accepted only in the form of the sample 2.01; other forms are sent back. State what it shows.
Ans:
11.58
